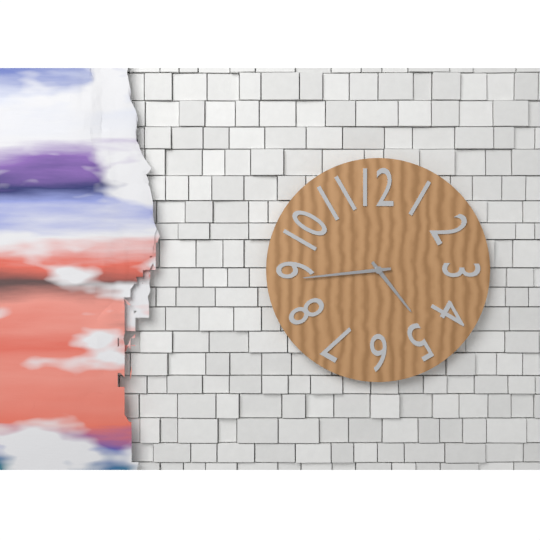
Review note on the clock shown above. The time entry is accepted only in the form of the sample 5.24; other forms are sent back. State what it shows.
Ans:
4.44
